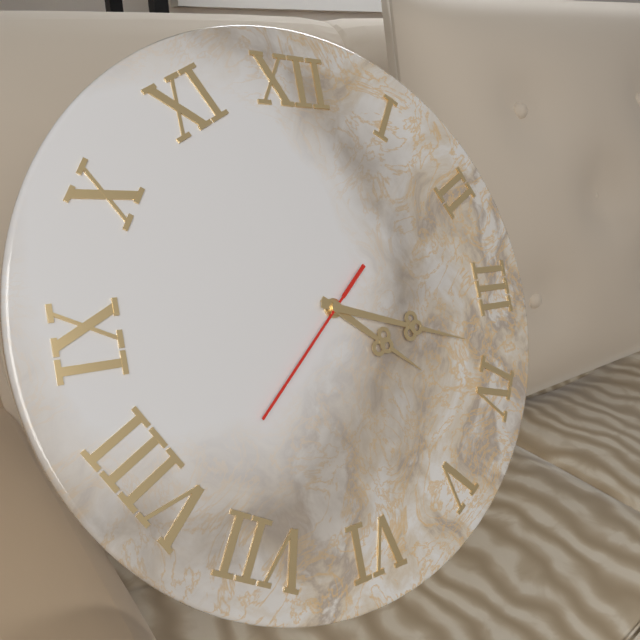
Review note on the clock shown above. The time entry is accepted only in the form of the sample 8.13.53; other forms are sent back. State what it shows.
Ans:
4.18.38
